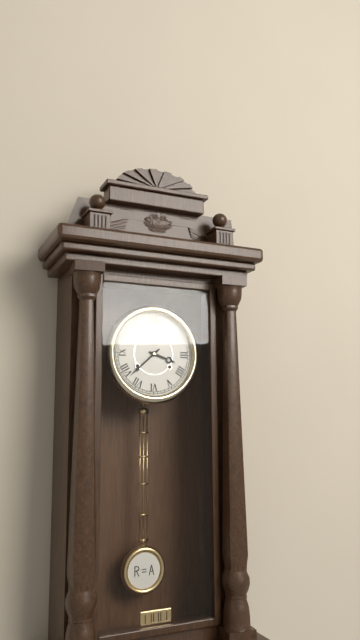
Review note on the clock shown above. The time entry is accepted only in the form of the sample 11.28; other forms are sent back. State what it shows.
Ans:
3.38
